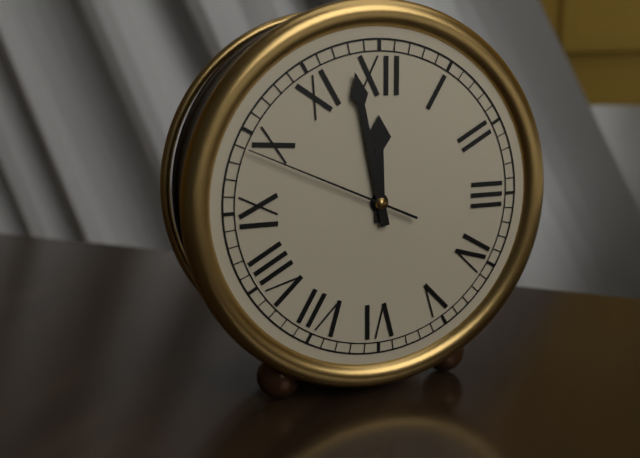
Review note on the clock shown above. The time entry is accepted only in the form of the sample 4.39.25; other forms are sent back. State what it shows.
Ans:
11.58.49
